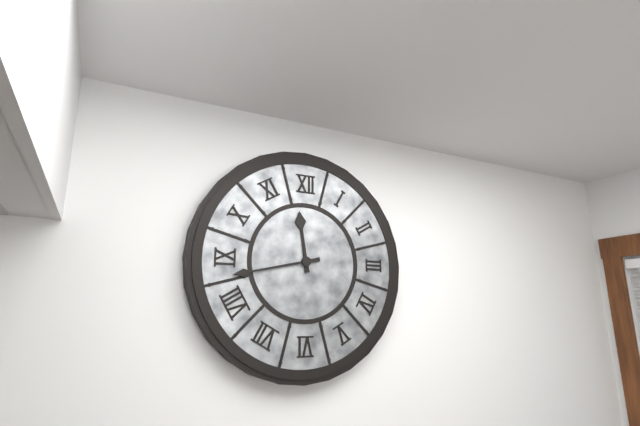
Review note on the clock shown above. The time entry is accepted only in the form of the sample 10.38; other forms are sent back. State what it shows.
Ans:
11.43
